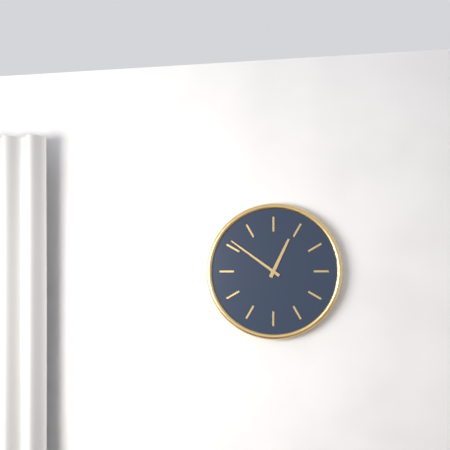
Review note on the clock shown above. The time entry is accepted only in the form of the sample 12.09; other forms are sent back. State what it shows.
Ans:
12.51
